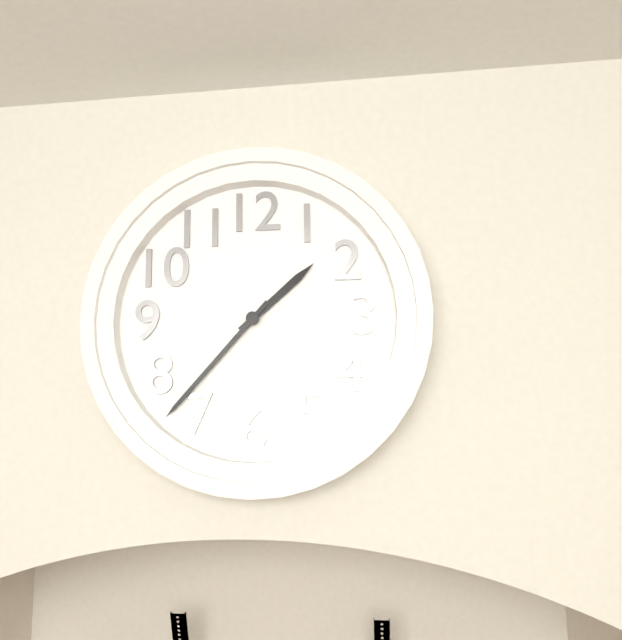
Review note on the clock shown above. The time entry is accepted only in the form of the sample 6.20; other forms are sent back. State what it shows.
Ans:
1.37
